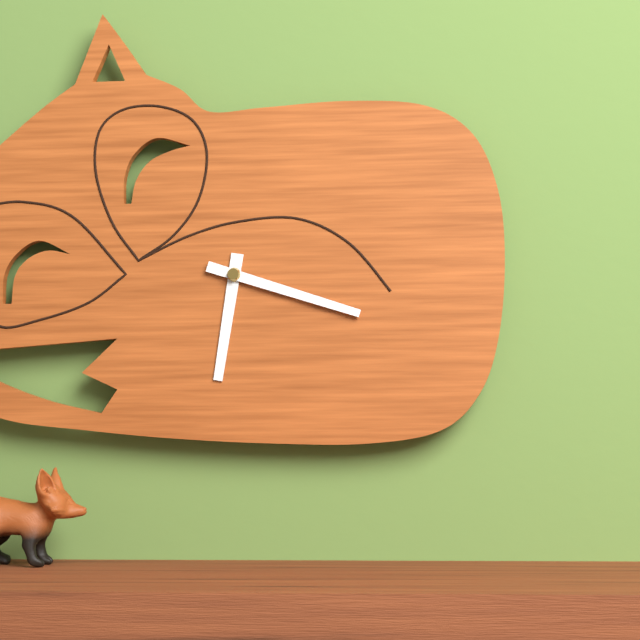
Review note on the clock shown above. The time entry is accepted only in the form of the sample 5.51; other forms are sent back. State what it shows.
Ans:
6.18
